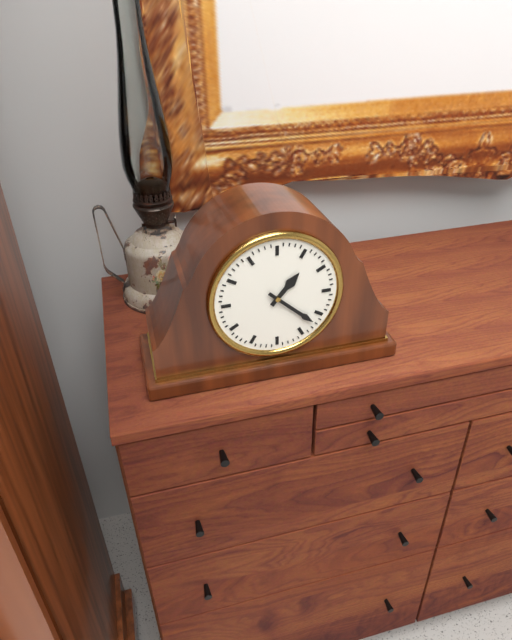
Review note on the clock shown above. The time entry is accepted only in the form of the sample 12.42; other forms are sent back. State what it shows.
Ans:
1.22
